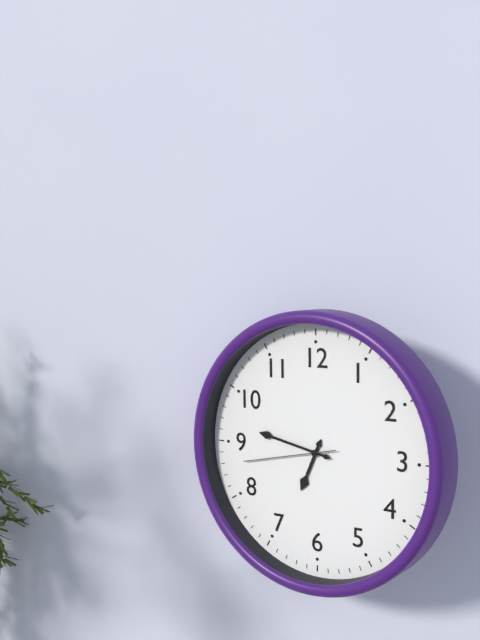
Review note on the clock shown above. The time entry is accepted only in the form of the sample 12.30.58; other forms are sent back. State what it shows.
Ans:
6.47.43
